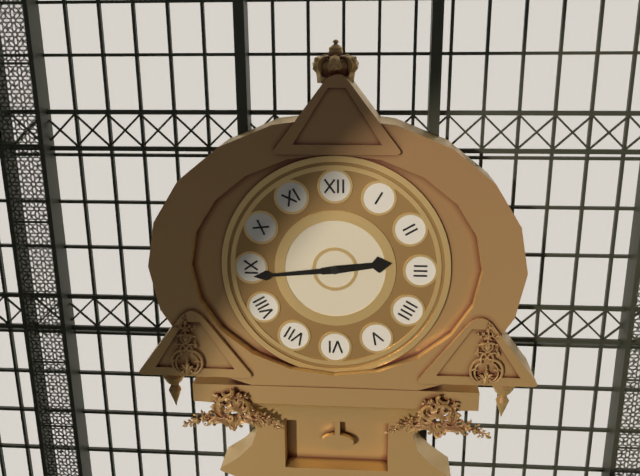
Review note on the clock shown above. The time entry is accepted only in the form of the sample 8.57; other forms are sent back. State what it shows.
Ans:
2.44
